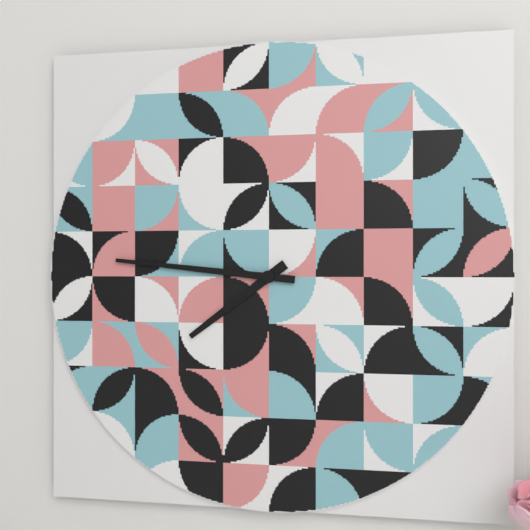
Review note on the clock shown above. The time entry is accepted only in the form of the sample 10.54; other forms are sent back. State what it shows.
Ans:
7.46
